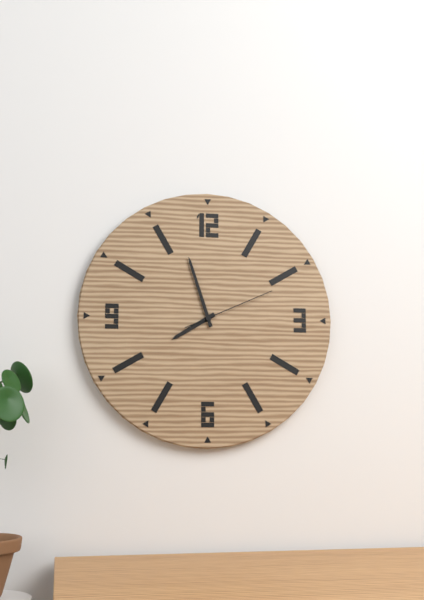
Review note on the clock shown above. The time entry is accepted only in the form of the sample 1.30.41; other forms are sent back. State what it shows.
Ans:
7.57.11
